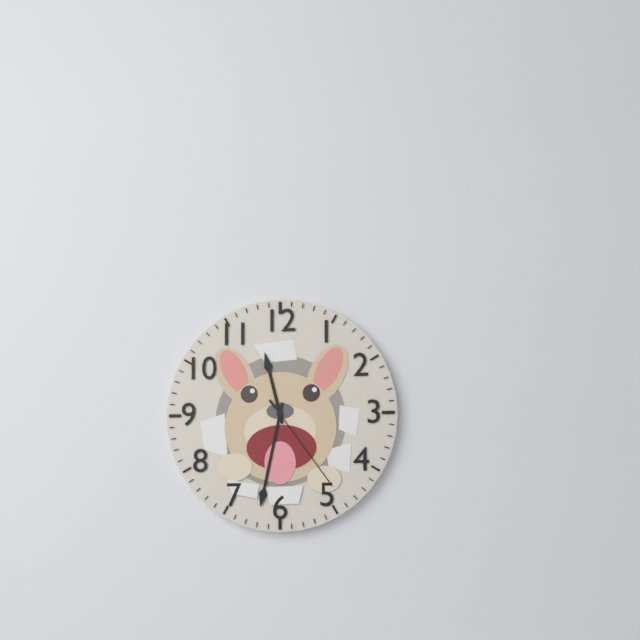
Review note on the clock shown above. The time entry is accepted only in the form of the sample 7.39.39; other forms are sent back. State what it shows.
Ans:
11.32.24
